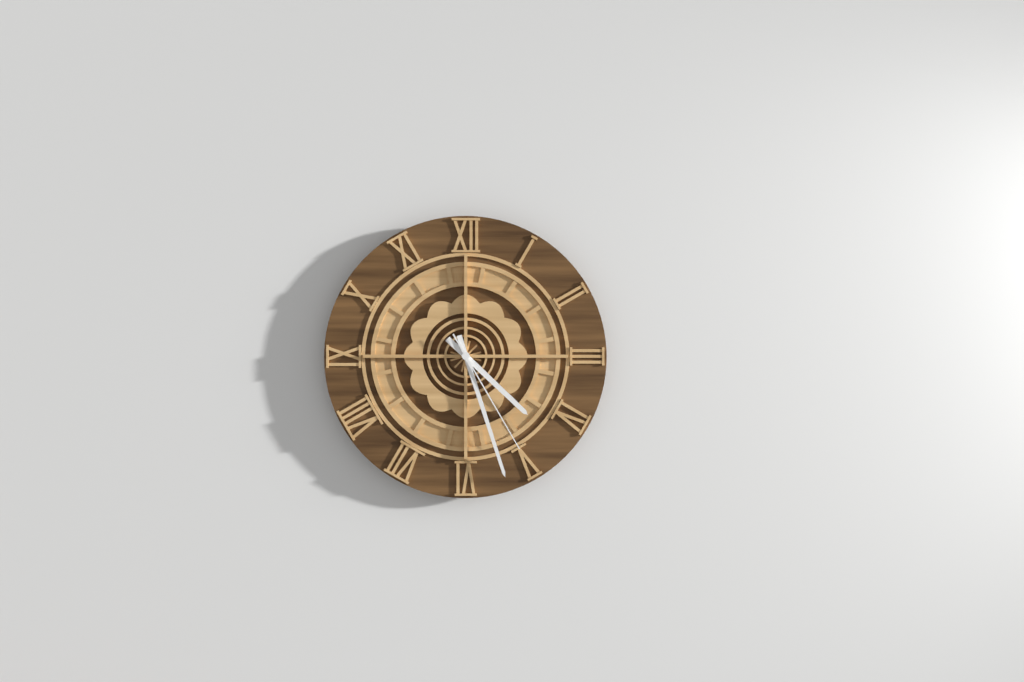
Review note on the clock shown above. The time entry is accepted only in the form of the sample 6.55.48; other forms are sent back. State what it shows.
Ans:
4.27.25
